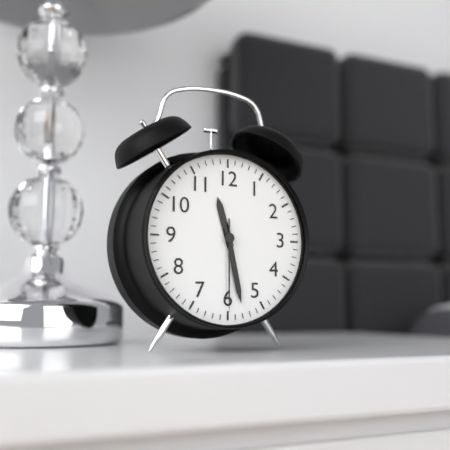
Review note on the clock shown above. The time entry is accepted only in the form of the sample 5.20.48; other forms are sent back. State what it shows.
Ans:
11.28.30
